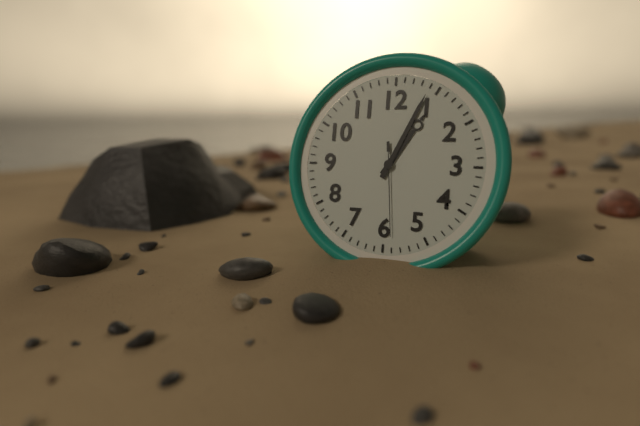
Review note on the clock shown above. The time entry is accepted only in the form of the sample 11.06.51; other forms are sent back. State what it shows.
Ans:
1.04.29
